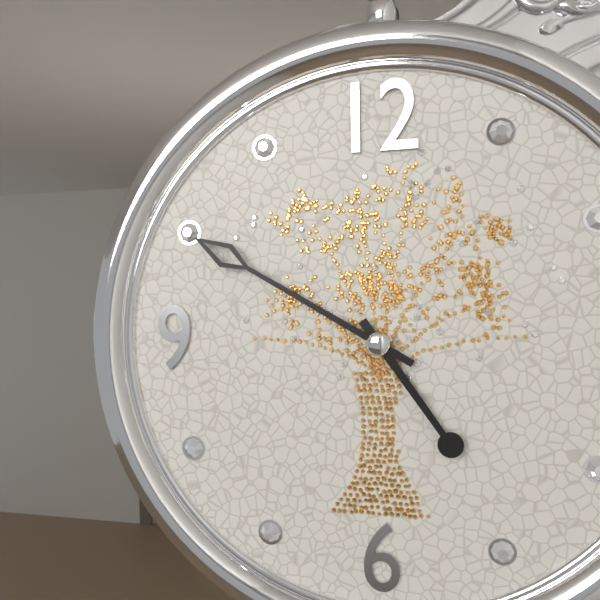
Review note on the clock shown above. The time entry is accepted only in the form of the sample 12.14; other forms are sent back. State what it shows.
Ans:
4.50
